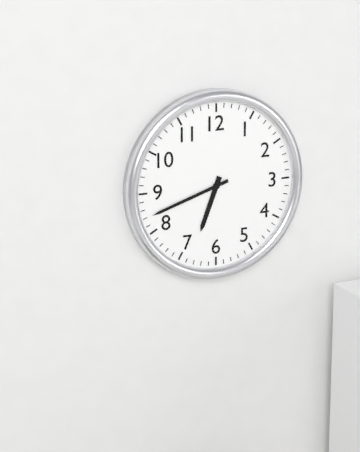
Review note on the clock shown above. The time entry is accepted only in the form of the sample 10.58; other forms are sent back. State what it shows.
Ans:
6.42
